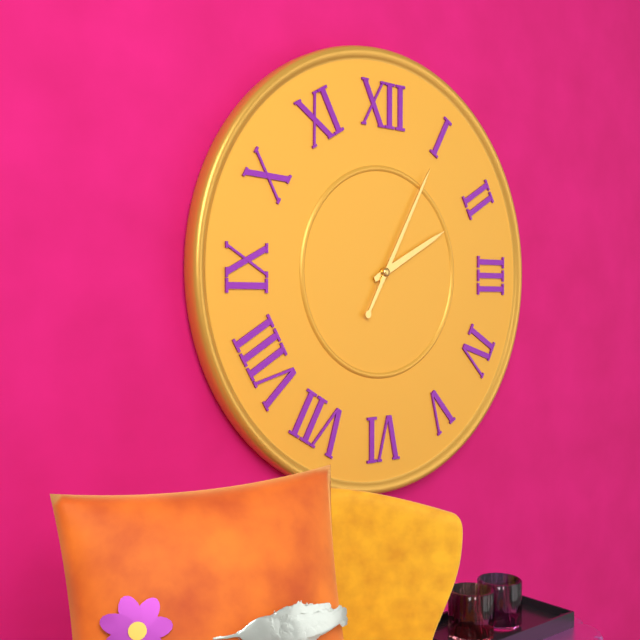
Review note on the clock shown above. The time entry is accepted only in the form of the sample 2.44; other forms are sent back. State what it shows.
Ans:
2.05
